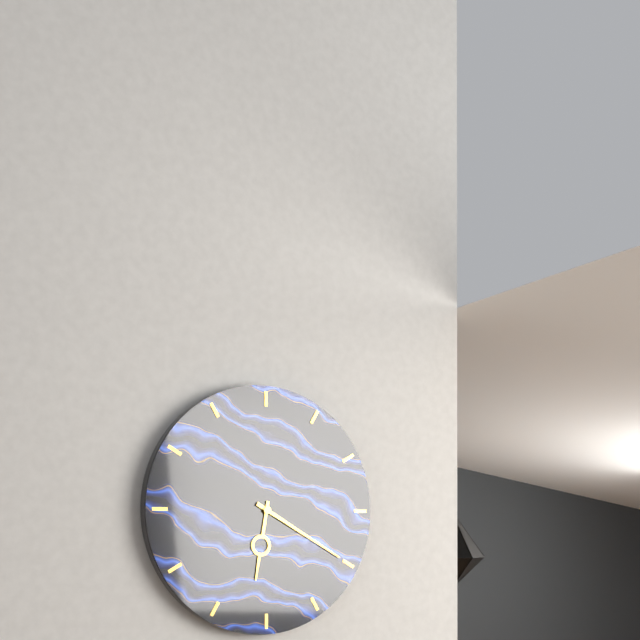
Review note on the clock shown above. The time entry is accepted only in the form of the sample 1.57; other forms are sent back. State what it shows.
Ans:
6.20
